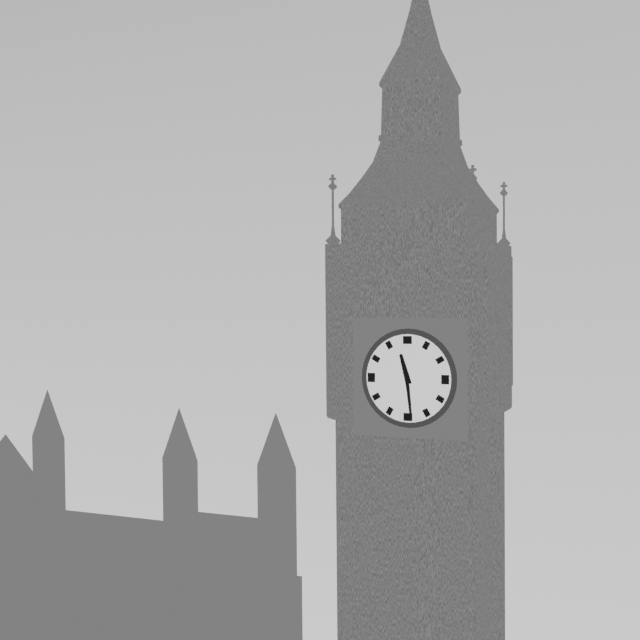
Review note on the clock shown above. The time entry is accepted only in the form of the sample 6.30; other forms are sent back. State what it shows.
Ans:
11.29
